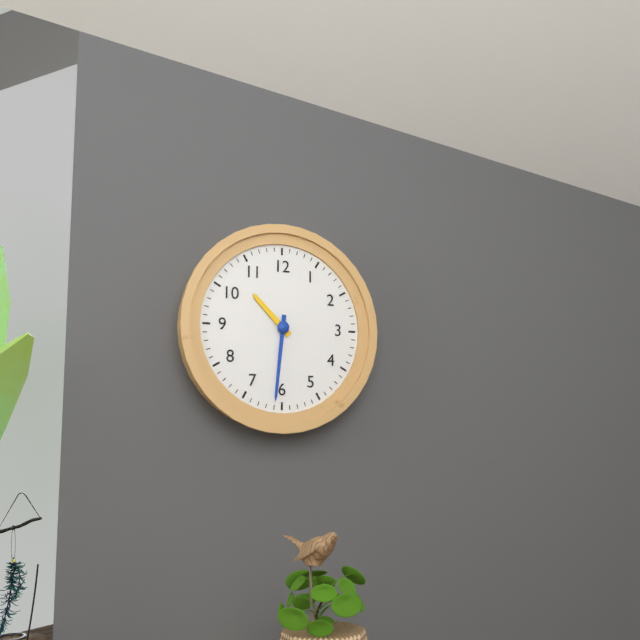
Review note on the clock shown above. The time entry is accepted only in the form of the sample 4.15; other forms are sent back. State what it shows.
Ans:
10.31
